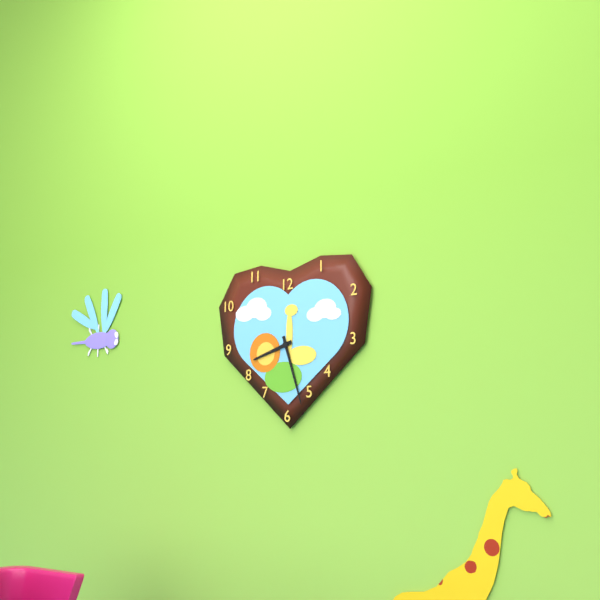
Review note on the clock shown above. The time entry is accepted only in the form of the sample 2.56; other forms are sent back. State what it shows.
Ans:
8.27
